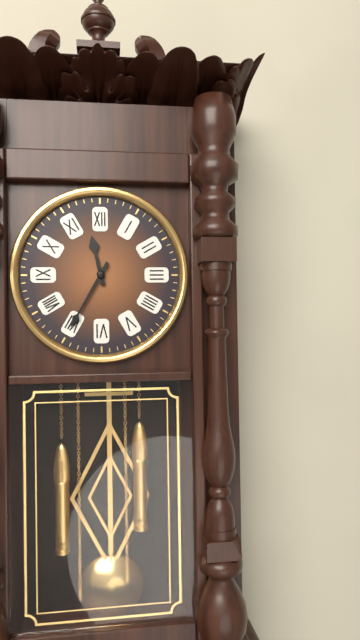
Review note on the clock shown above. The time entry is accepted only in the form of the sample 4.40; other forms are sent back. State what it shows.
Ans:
11.35
